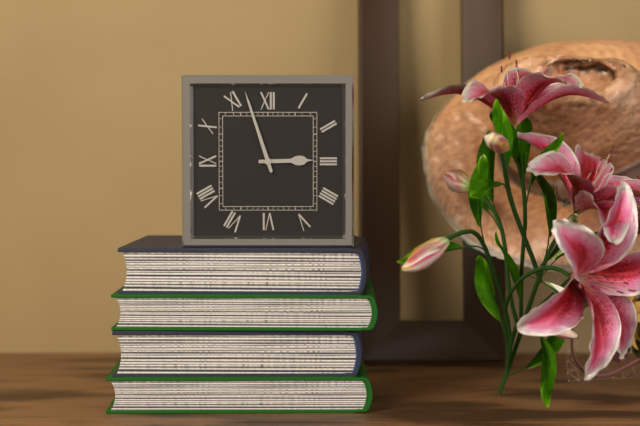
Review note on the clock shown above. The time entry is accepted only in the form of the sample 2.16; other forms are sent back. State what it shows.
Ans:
2.57
